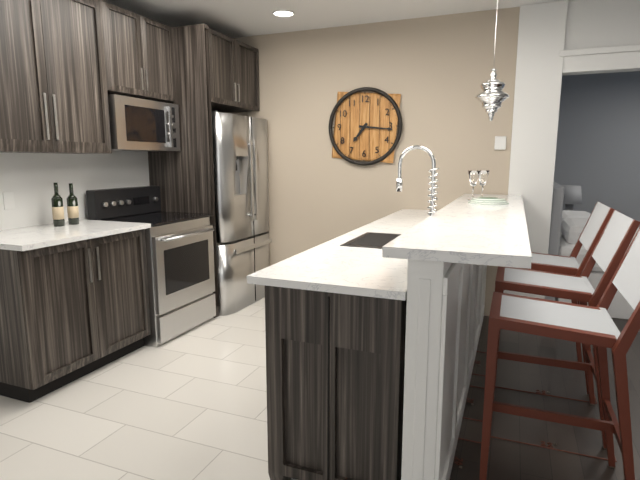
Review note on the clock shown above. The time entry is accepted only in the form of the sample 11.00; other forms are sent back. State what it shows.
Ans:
7.16
